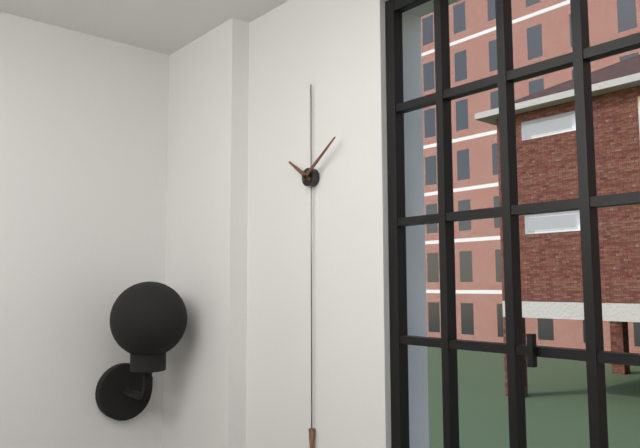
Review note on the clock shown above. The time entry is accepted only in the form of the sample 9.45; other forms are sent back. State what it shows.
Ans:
10.09
